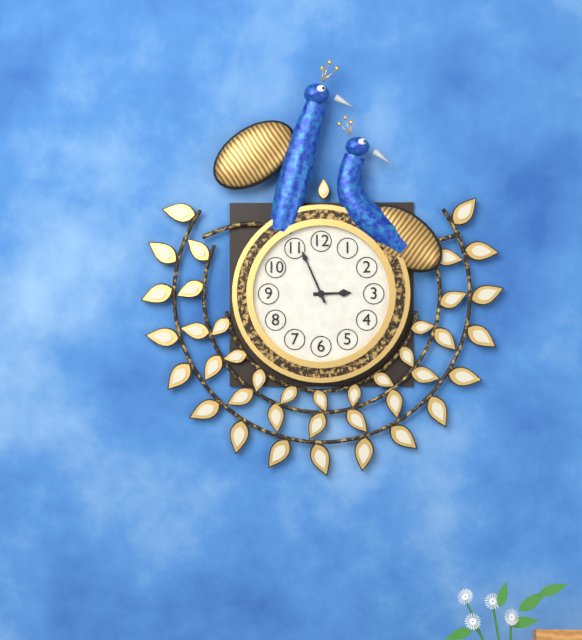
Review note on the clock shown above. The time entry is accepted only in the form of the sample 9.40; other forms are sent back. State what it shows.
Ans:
2.56
